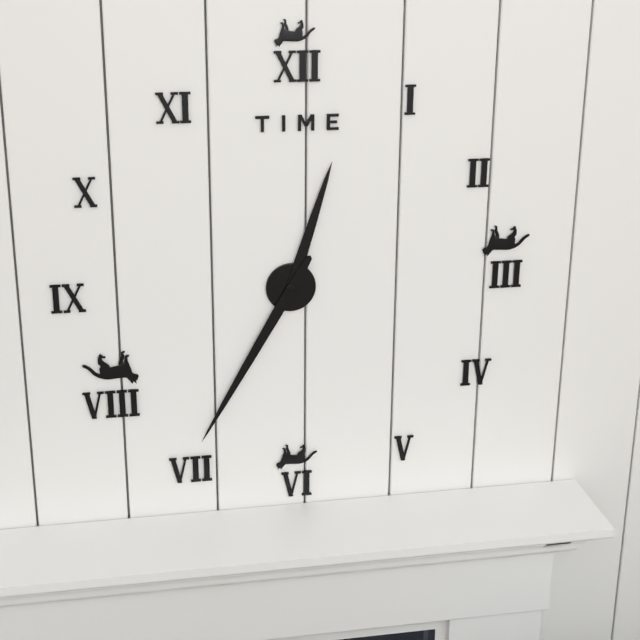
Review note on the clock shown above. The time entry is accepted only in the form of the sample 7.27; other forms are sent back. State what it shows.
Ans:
12.35
